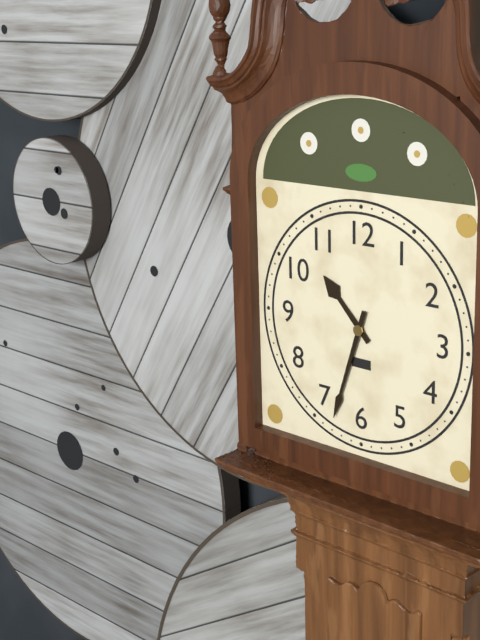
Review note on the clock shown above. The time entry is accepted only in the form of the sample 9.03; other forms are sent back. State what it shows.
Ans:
10.33
